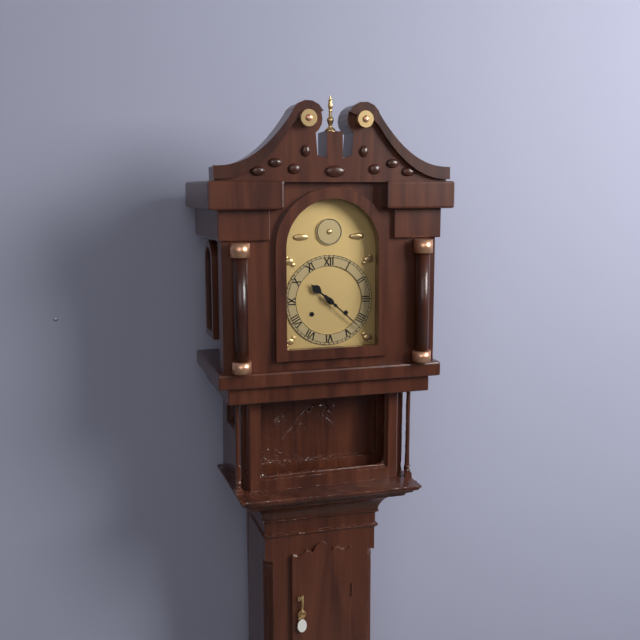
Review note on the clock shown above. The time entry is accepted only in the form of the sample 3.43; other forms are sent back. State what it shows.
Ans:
10.22
